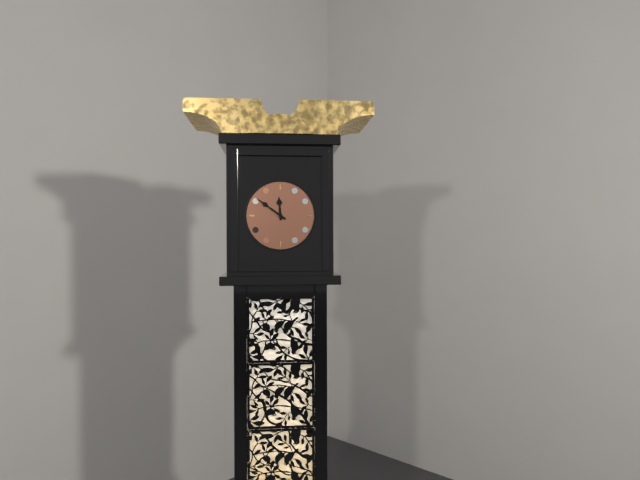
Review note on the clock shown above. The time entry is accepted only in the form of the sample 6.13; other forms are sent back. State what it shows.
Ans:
11.51
